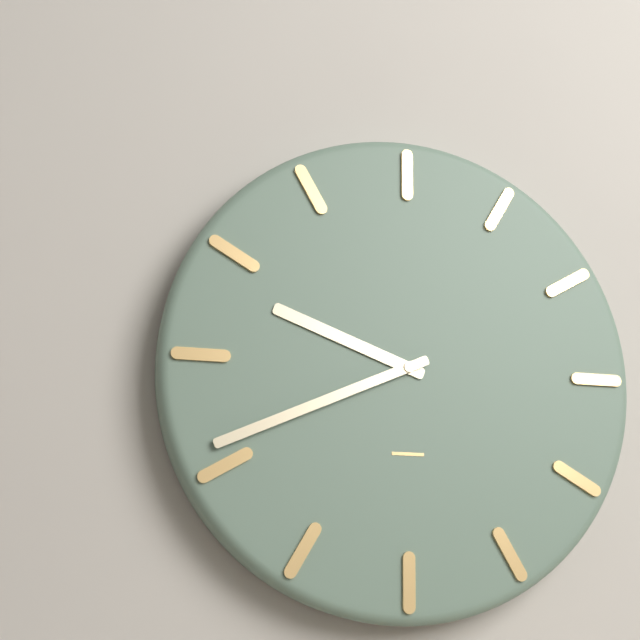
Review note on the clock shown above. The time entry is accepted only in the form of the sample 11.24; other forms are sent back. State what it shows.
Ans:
9.41
